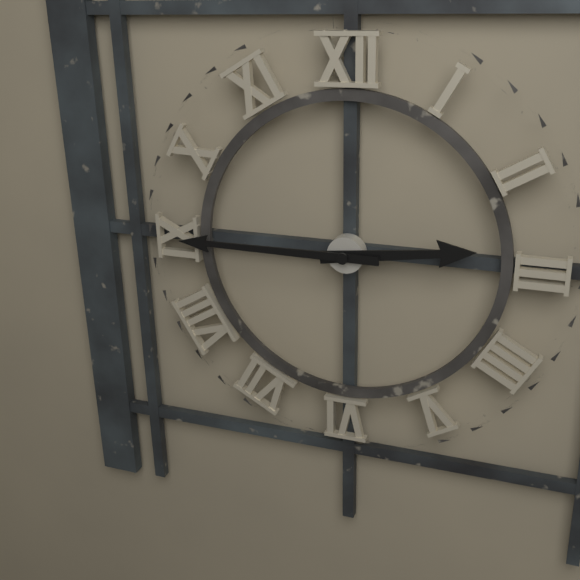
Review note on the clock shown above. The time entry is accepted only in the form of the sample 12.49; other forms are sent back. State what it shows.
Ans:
2.45
